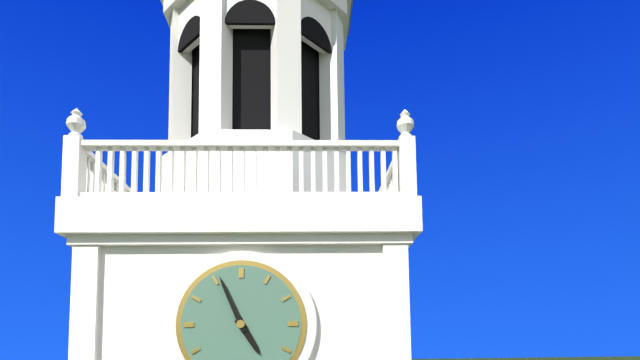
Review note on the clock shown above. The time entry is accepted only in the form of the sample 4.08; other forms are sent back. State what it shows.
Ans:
4.56
